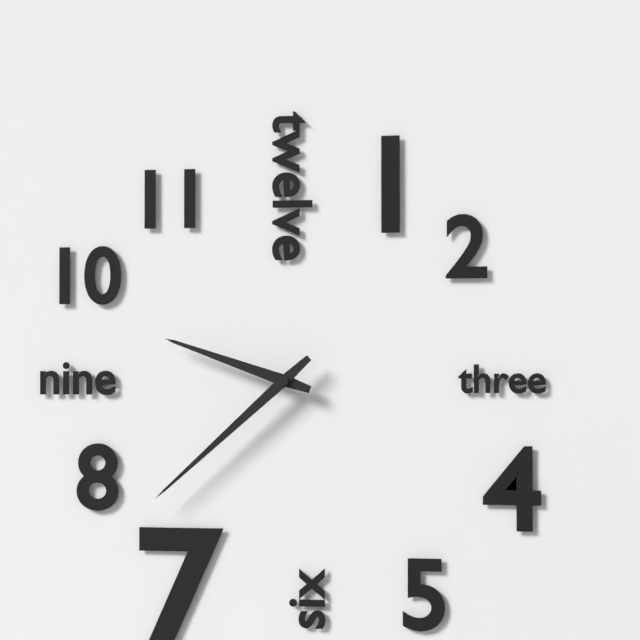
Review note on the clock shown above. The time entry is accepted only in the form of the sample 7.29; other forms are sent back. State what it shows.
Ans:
9.38
